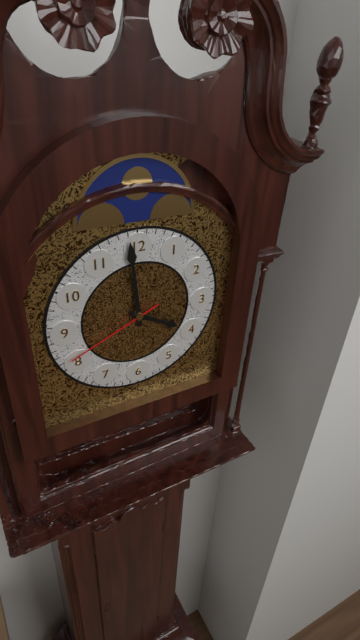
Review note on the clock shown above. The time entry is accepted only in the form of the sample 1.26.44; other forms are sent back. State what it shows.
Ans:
3.59.41
